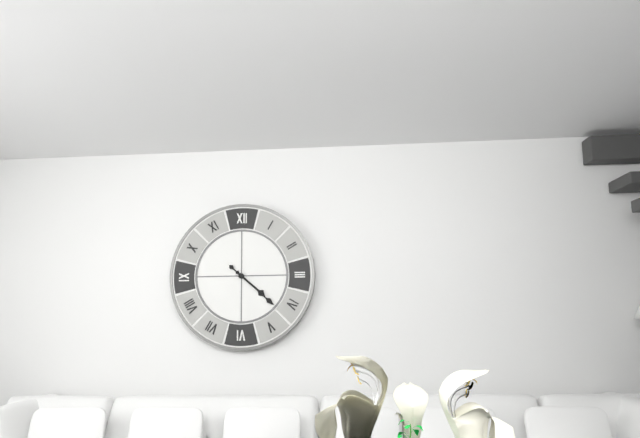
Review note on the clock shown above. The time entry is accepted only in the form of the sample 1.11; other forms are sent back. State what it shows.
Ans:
4.22
